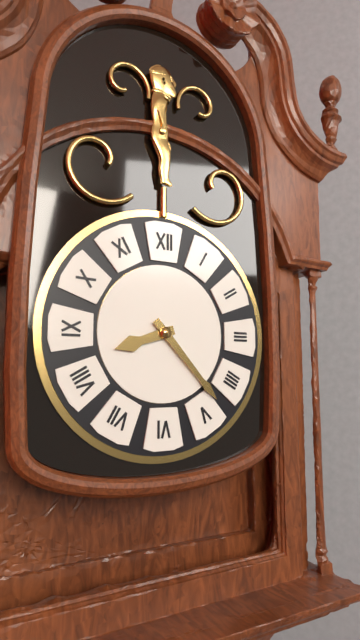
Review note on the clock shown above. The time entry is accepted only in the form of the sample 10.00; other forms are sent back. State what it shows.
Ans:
8.23
